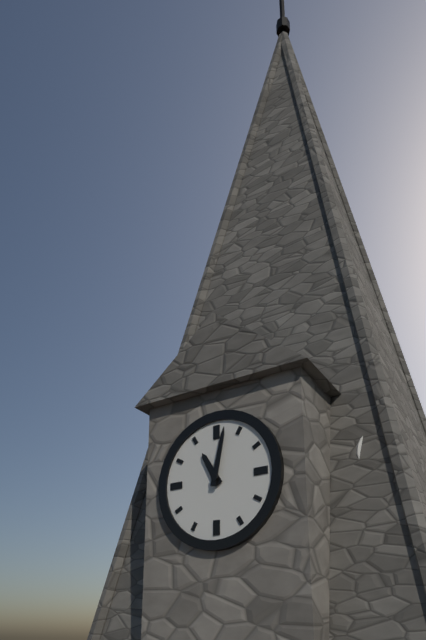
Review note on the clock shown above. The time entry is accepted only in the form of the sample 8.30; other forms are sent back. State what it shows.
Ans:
11.02
